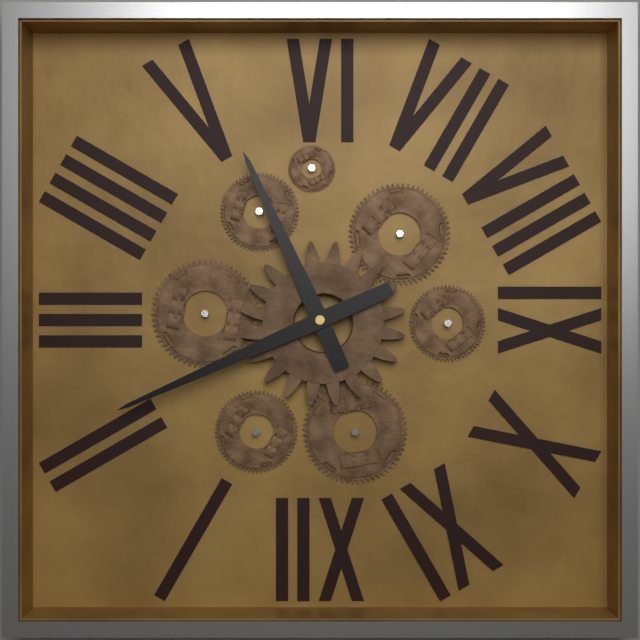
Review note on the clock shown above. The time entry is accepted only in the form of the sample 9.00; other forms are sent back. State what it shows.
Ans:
5.11
